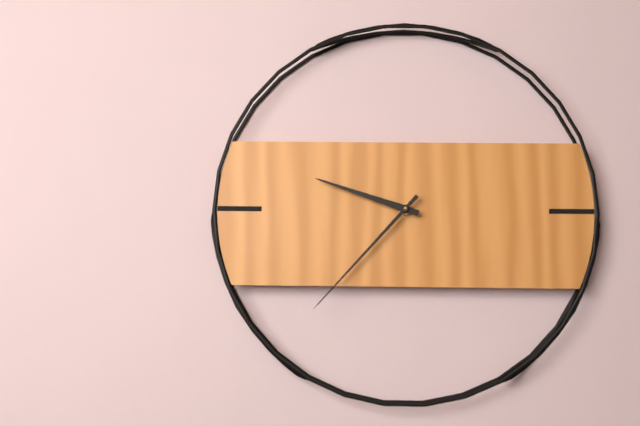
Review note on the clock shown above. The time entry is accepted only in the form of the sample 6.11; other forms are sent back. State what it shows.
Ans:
9.37
